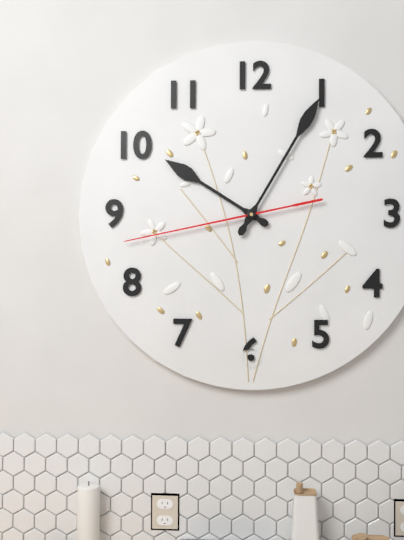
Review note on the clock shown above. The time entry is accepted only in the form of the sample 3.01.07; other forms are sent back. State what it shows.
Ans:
10.05.43
